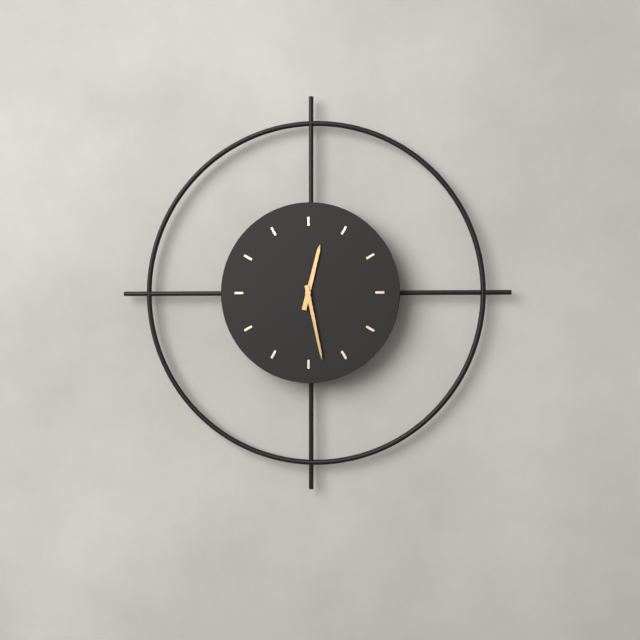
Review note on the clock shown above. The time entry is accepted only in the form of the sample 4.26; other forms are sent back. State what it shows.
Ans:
12.28
